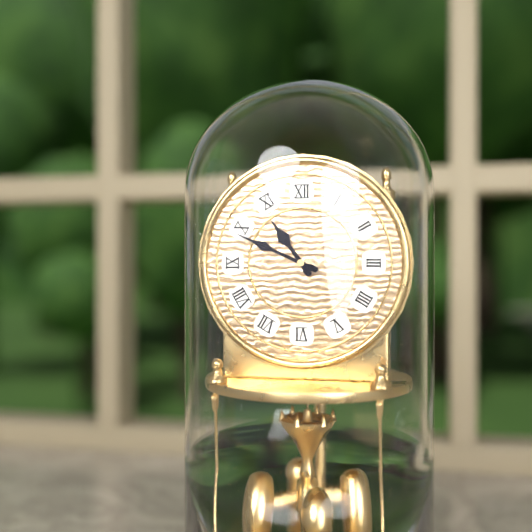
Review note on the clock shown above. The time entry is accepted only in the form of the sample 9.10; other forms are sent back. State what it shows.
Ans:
10.49
